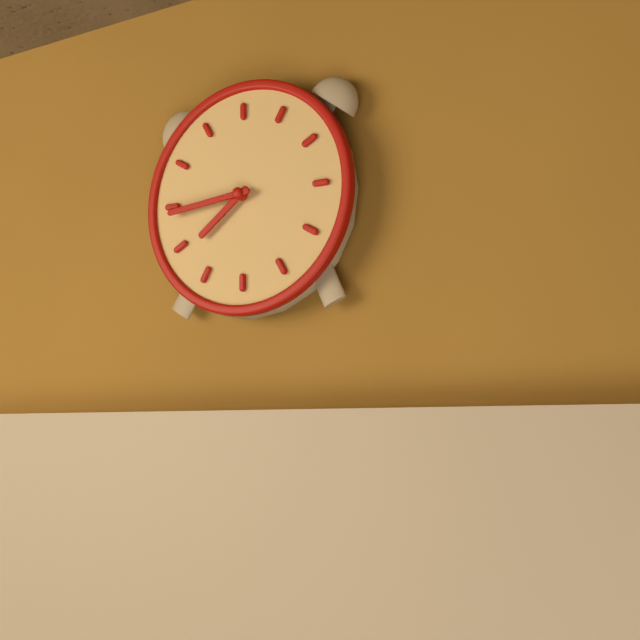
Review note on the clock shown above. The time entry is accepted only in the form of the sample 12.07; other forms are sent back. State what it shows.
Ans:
7.44
